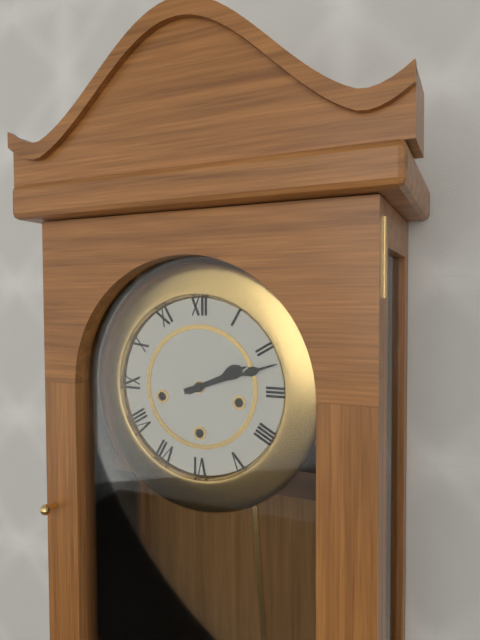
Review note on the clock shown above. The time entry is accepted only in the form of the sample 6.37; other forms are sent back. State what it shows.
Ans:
2.12
